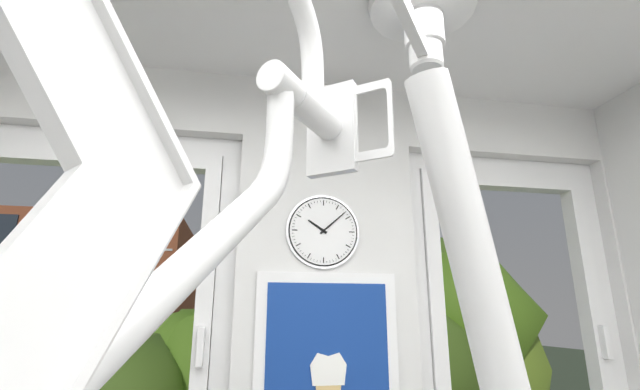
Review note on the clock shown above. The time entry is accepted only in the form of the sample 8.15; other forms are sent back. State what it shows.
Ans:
10.08
